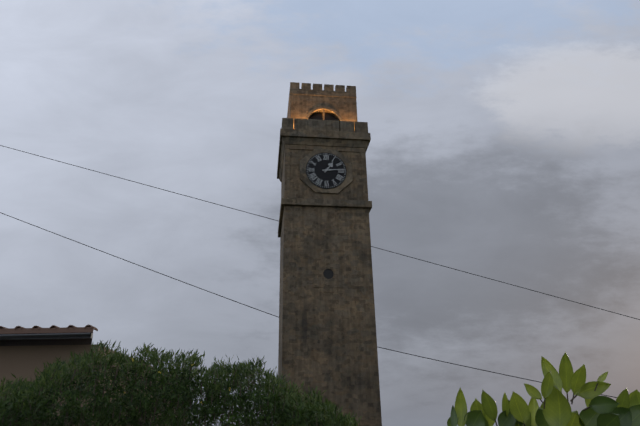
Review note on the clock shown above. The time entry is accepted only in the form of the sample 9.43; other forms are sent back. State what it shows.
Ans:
1.14
